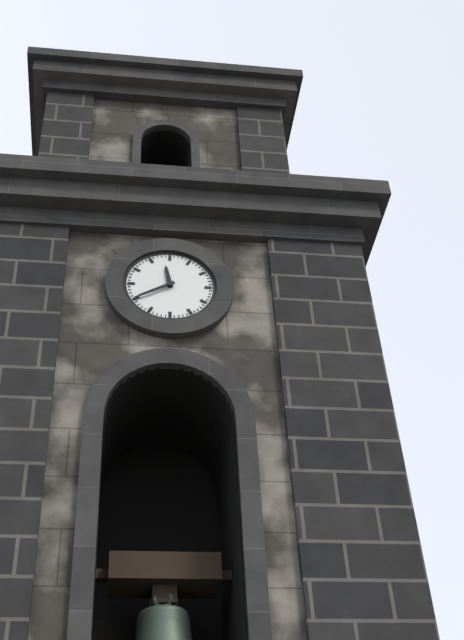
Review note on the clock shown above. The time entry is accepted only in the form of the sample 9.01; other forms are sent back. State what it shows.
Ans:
11.40
